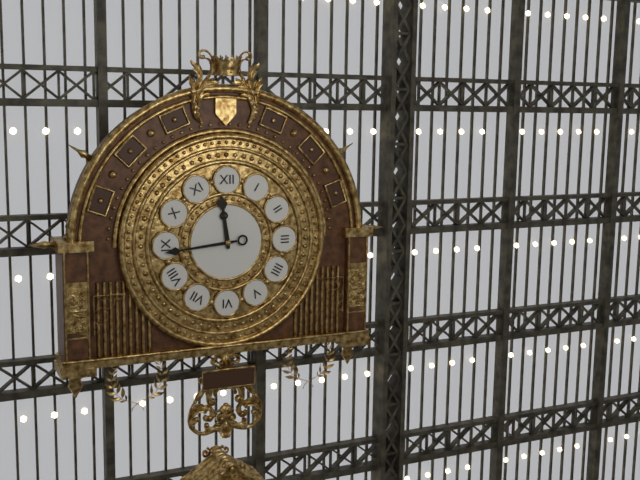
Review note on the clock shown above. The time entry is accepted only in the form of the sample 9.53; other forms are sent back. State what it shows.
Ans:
11.44
